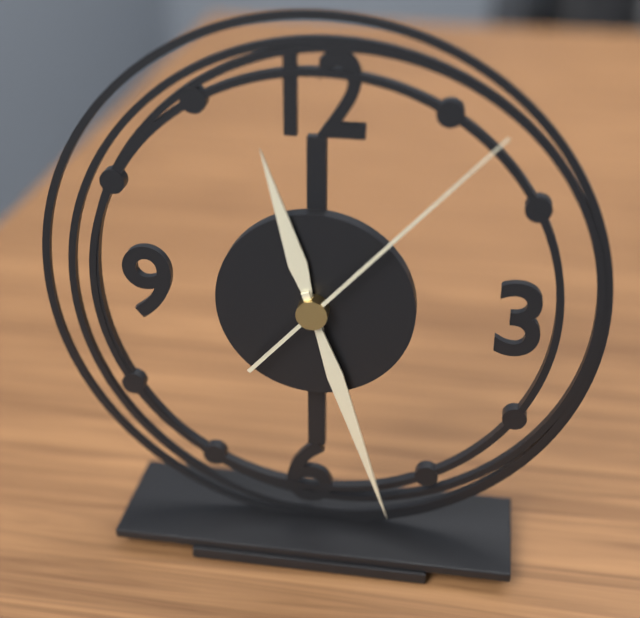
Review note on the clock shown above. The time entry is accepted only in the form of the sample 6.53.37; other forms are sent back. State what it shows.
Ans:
11.27.07
